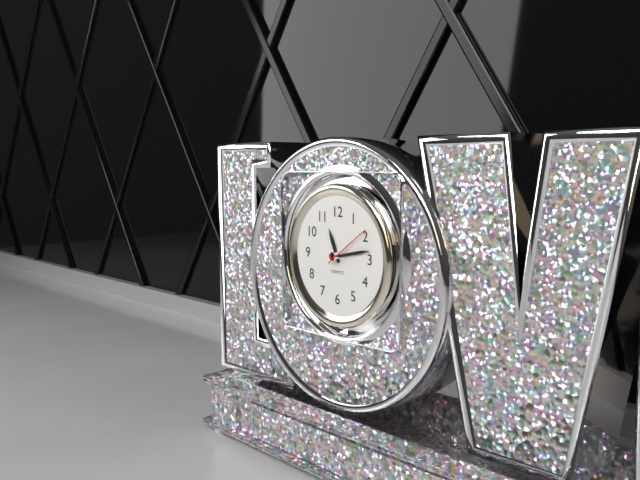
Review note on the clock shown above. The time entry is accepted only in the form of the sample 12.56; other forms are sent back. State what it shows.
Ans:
11.13
